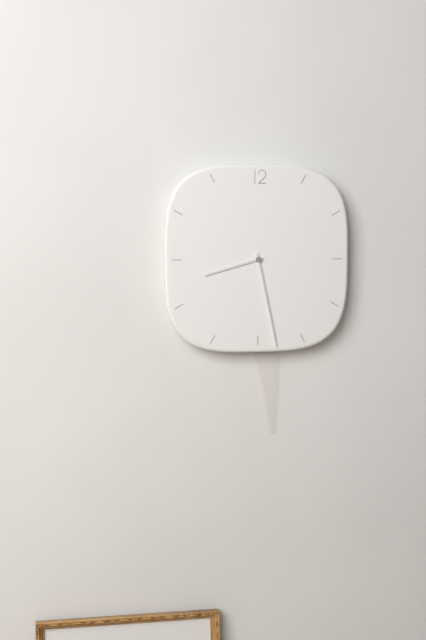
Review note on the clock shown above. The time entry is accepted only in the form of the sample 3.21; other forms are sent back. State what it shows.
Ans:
8.28
